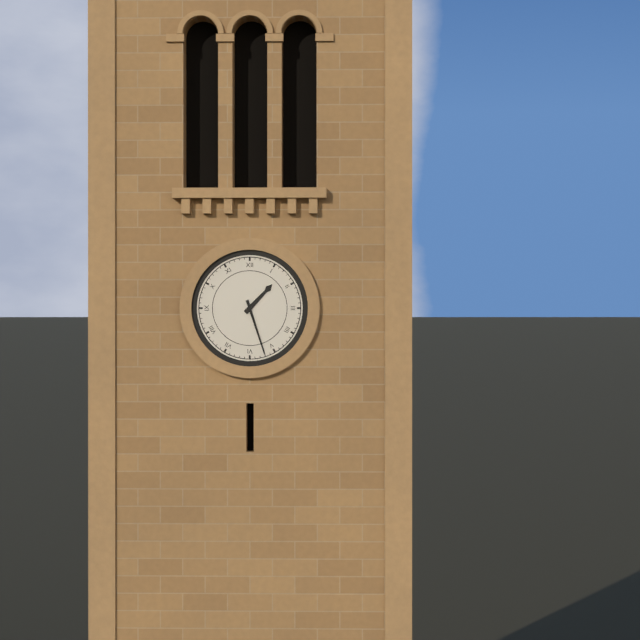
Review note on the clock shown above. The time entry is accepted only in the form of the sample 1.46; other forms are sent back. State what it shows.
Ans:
1.27
